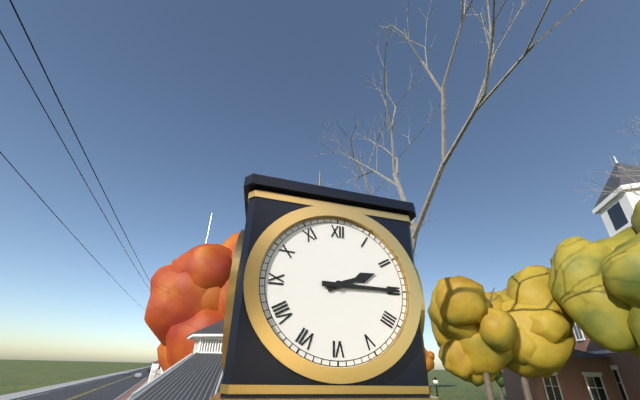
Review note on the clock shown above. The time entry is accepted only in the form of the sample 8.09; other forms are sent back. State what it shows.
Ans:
2.15
